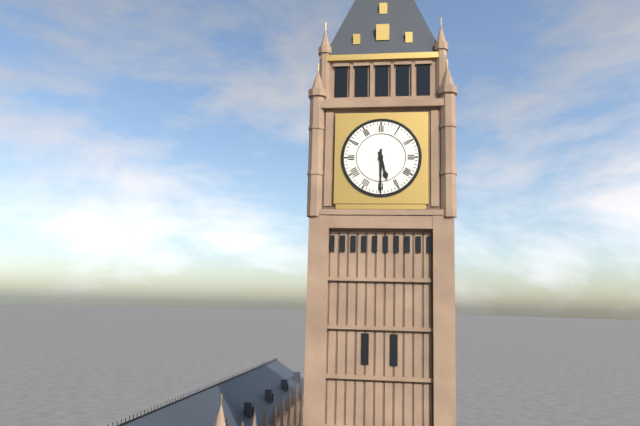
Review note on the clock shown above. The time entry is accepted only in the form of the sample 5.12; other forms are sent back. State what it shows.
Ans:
5.30
